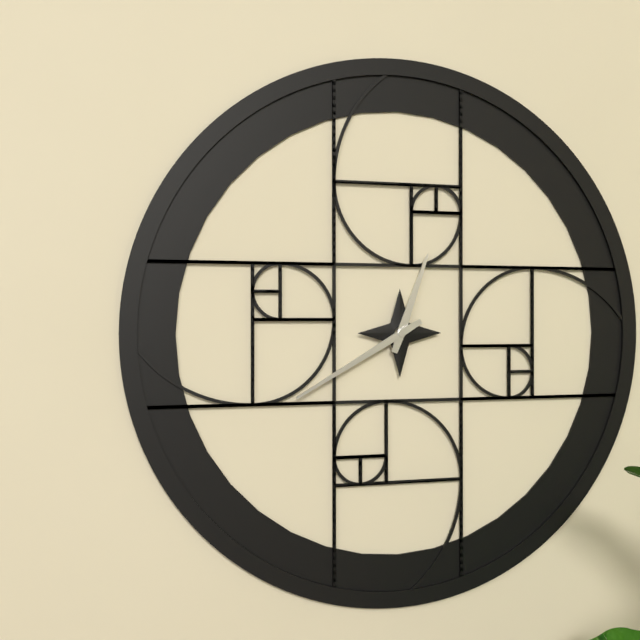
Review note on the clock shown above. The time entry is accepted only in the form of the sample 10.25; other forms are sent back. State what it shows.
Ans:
12.40
